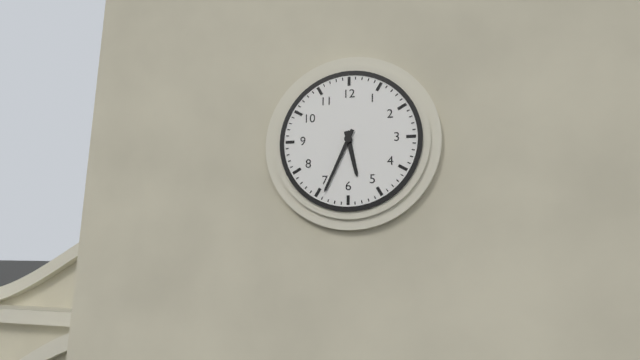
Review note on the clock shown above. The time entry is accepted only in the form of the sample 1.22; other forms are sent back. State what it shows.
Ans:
5.34
